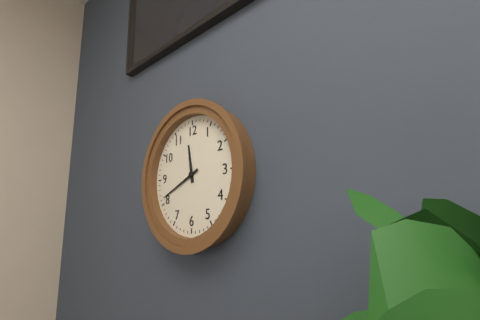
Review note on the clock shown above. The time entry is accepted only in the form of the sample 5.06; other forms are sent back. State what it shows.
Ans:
11.41
